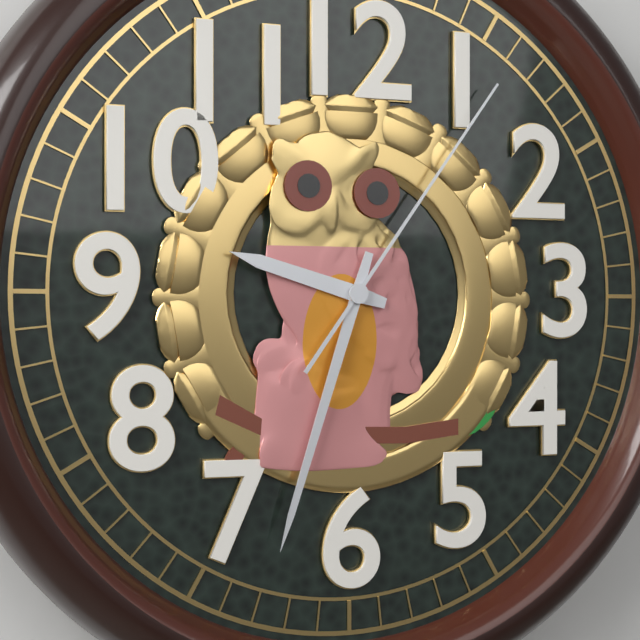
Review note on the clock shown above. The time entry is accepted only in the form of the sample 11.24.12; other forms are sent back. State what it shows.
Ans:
9.33.06
